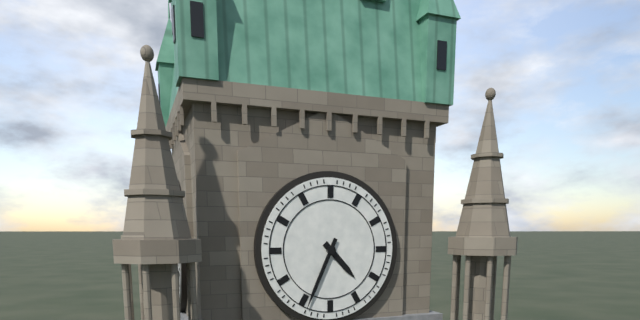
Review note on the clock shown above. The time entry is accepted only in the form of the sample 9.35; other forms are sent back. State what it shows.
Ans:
4.34
